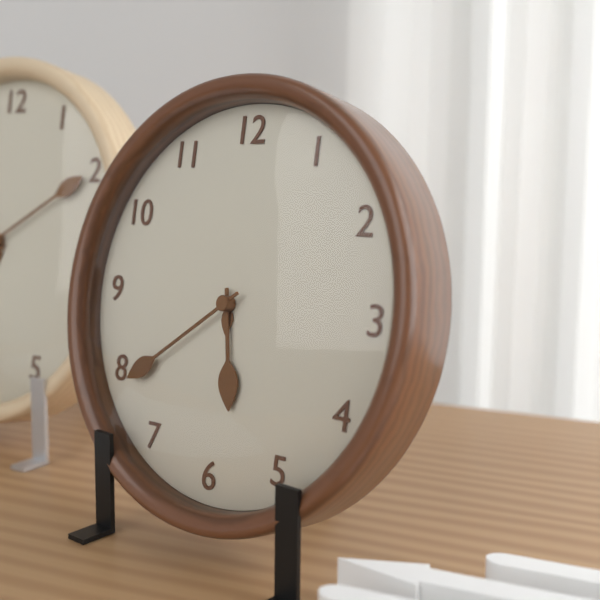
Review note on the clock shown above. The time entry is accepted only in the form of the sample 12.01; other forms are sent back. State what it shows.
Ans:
5.39
